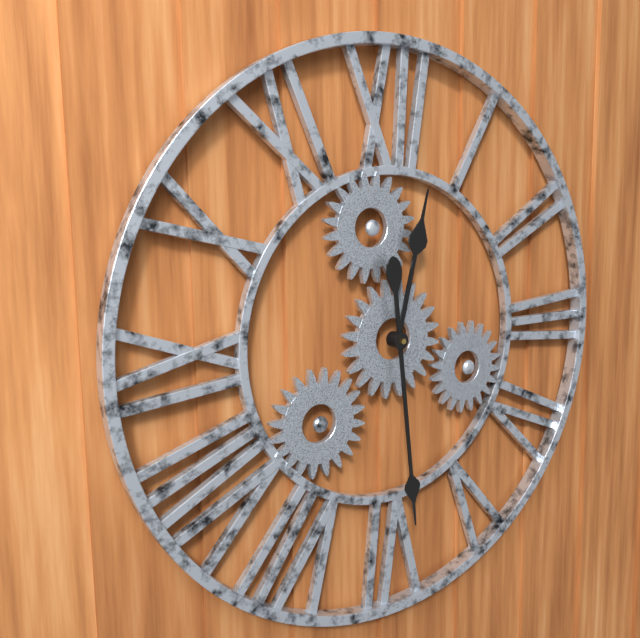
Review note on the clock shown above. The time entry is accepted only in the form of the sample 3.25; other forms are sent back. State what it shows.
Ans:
12.29
